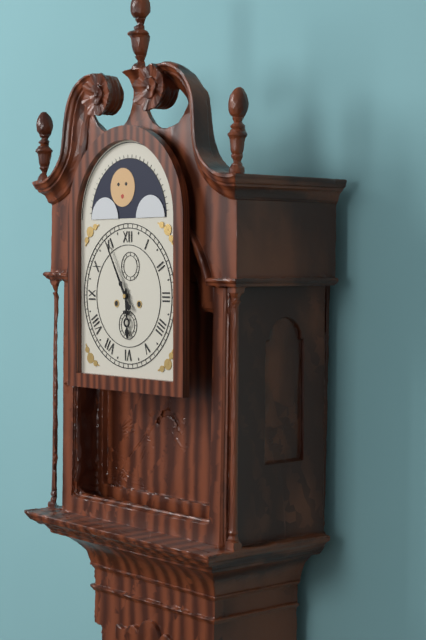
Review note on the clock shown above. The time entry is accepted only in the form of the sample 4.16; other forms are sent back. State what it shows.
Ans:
5.55
